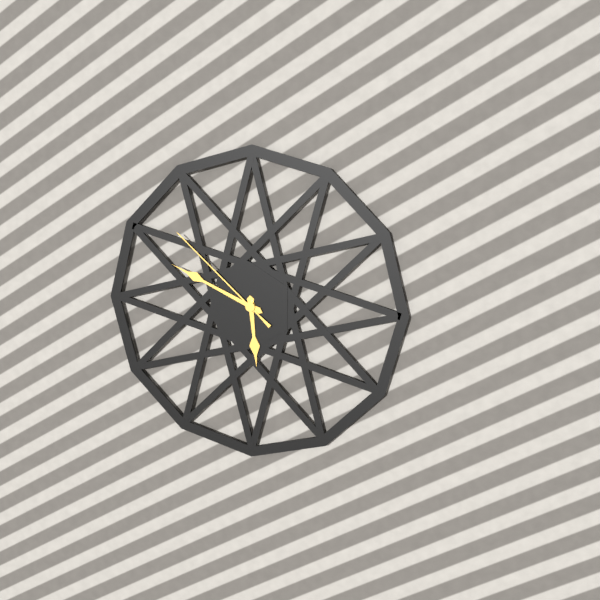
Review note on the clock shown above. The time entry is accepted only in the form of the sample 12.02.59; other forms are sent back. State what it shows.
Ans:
5.49.52
